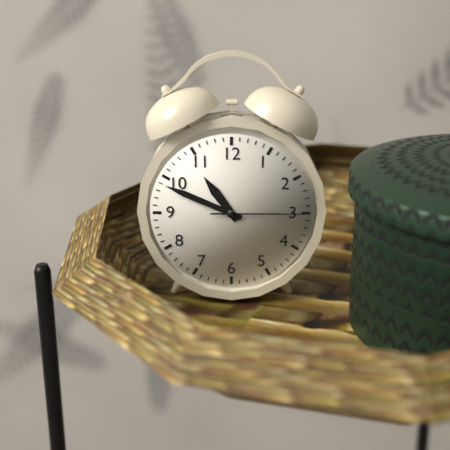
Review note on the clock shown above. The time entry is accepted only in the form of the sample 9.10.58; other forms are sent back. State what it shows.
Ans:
10.49.15
